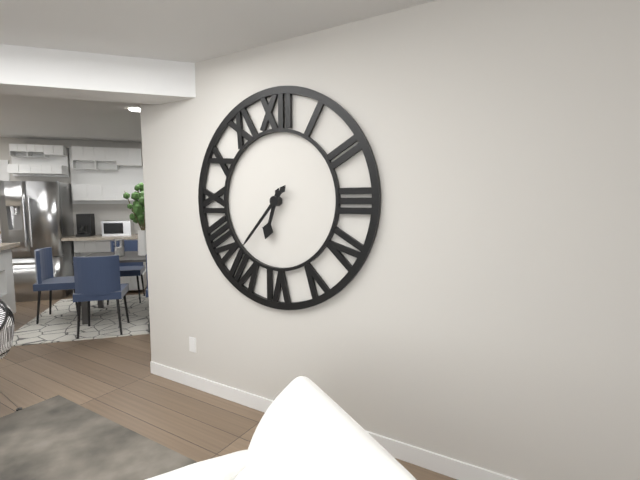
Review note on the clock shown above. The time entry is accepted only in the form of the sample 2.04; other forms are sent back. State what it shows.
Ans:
6.37
